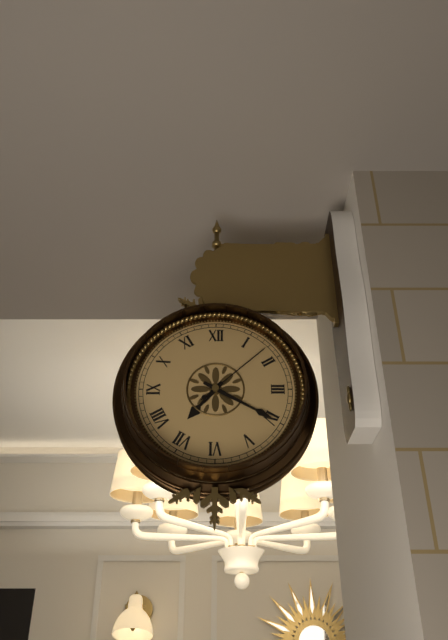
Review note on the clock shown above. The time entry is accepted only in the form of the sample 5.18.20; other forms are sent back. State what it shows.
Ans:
7.20.08
